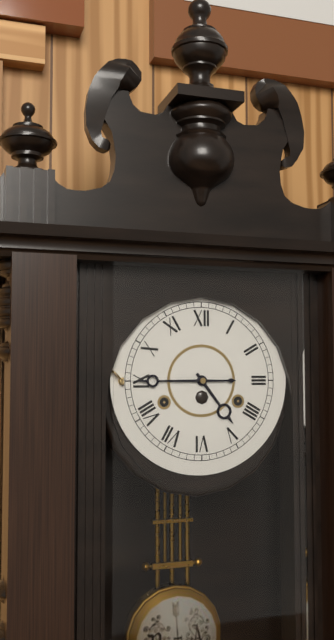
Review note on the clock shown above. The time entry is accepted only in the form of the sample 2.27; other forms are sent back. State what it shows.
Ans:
4.45
